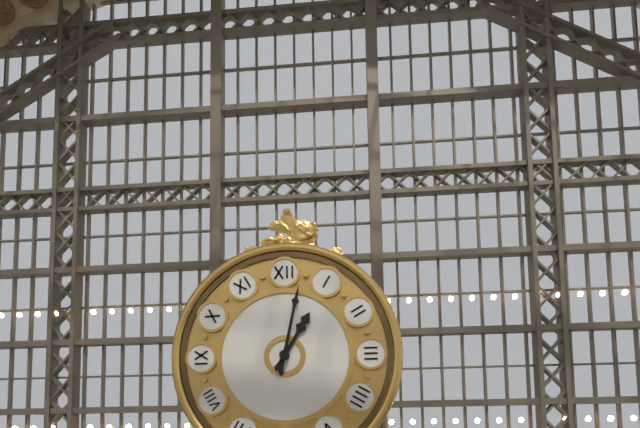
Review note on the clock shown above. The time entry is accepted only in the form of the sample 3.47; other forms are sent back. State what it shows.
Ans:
1.02
